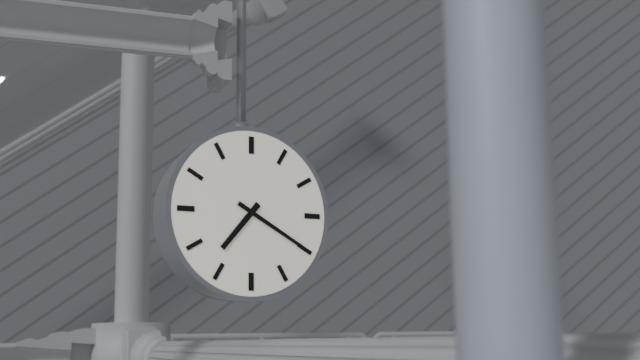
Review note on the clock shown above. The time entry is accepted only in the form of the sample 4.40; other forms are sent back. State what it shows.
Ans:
7.20
